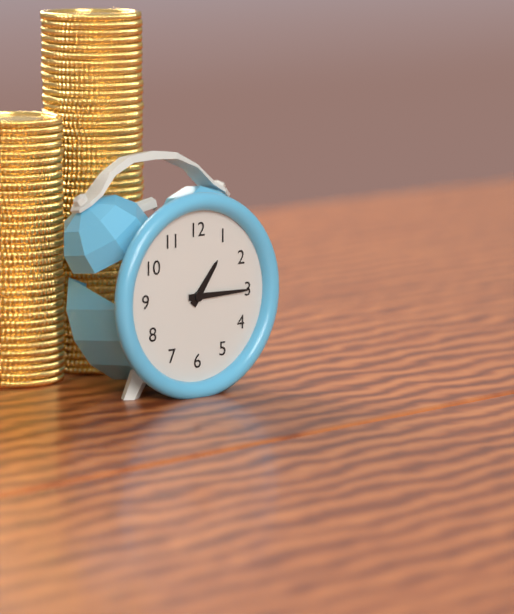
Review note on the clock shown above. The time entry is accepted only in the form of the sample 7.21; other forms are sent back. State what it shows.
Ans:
1.15
